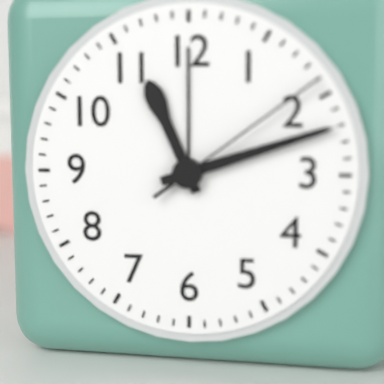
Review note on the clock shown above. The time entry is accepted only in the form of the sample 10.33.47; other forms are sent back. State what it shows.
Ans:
11.12.09
